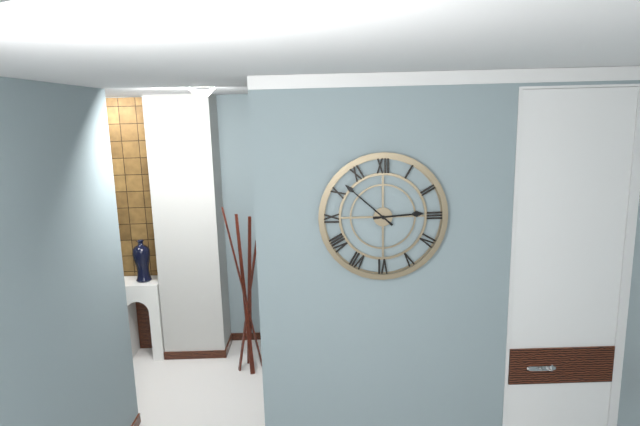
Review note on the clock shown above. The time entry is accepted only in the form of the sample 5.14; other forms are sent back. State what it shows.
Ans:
2.52
